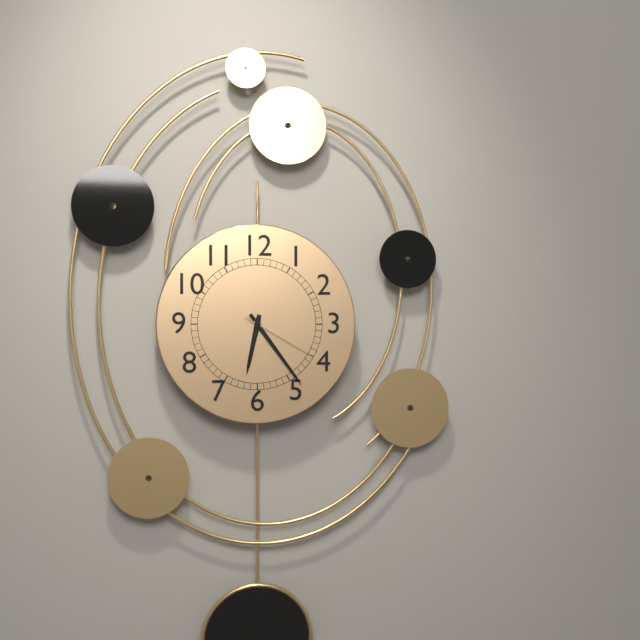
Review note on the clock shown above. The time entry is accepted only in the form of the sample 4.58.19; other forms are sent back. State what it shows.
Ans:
6.24.20
